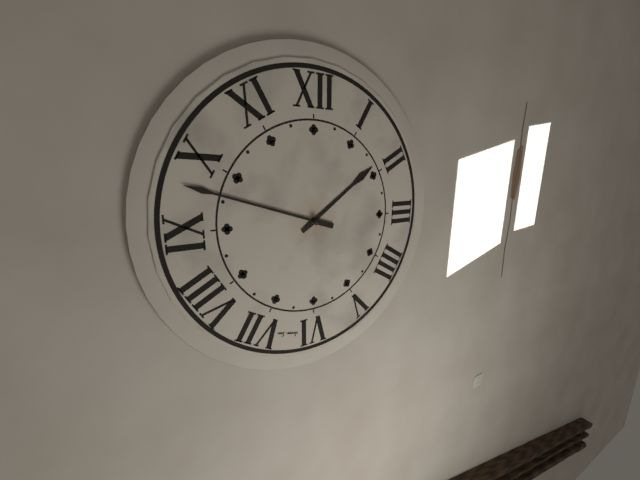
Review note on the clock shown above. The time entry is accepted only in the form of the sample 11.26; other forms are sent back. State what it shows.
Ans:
1.48
